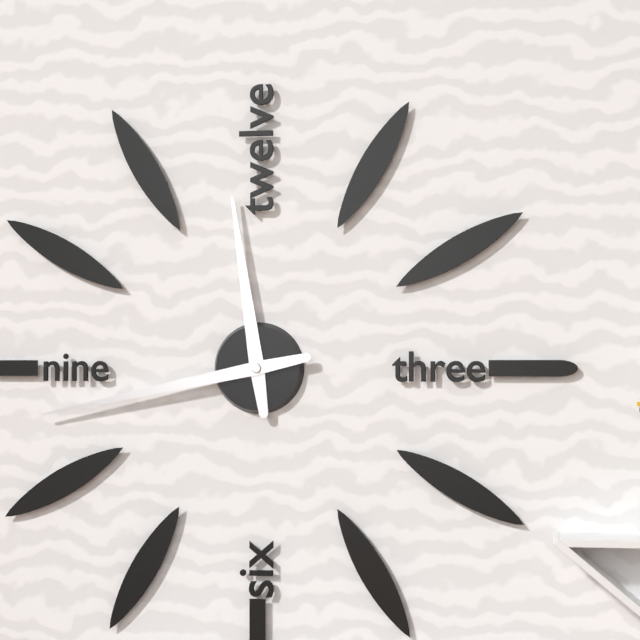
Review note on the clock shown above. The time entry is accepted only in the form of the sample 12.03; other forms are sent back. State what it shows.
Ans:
11.43
